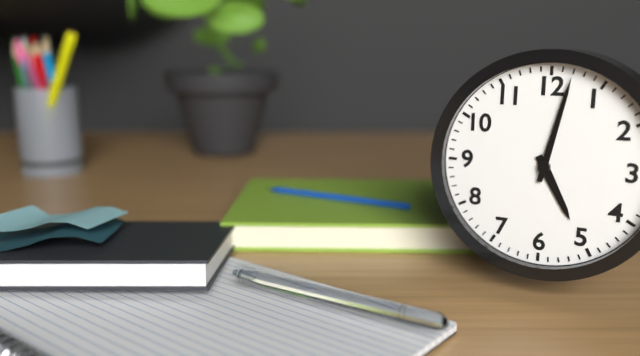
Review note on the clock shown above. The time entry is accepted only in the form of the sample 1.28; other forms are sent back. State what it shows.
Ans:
5.02
